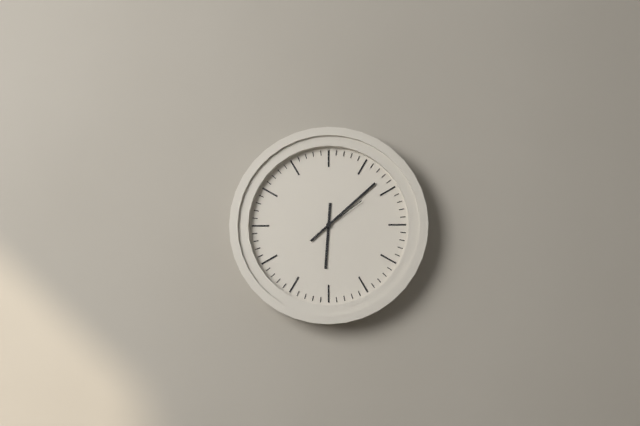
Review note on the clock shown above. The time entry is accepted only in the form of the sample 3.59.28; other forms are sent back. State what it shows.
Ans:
6.08.09
